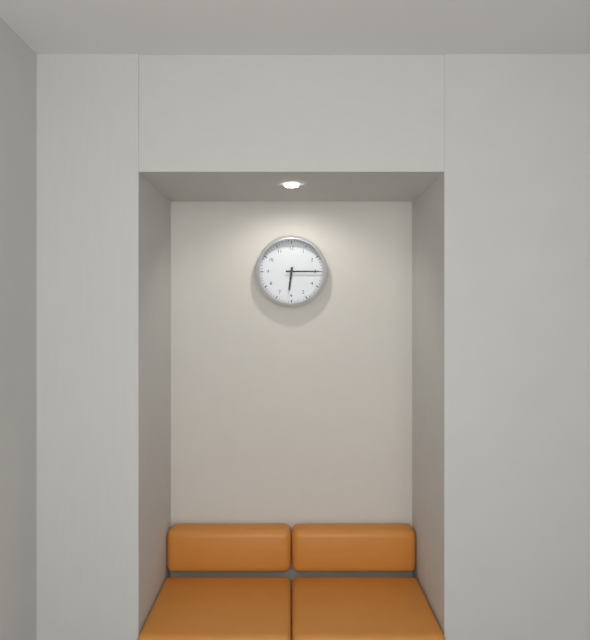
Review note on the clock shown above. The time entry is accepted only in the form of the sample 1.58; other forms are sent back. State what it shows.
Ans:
6.15
